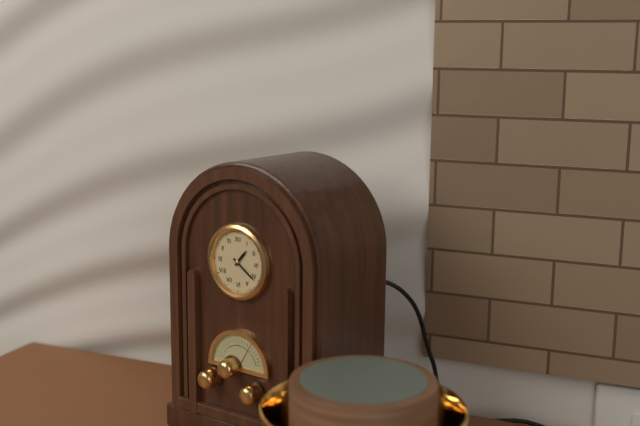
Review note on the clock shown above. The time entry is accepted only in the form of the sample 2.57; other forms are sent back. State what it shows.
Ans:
1.21
